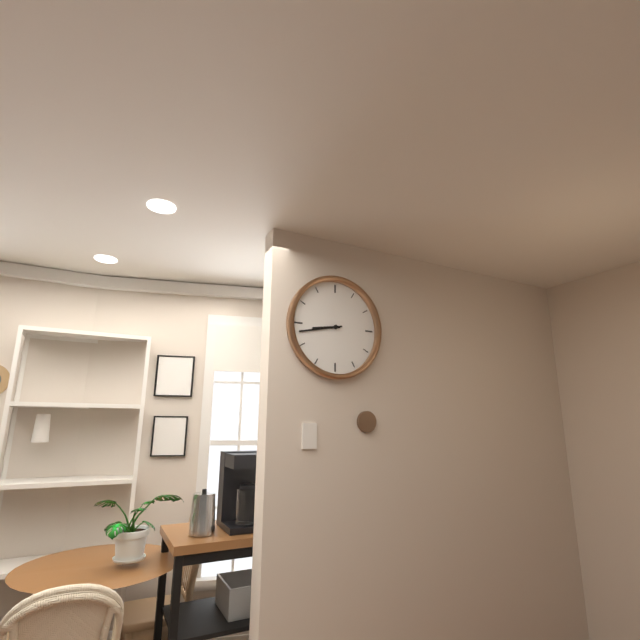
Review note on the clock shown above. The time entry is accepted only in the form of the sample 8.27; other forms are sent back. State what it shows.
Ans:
8.43
